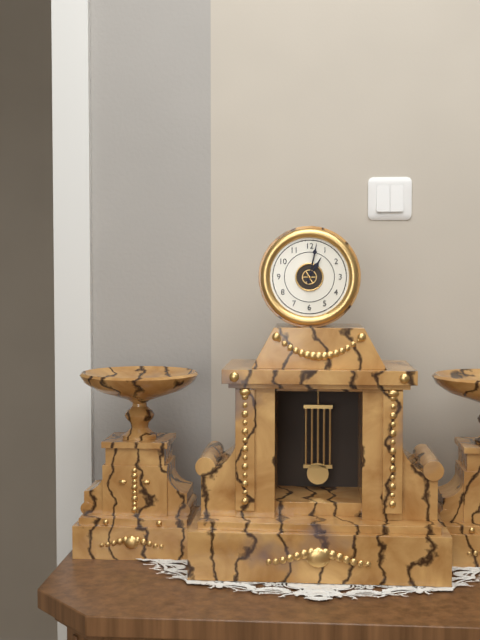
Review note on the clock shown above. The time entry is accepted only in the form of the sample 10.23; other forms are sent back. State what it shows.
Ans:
1.02
